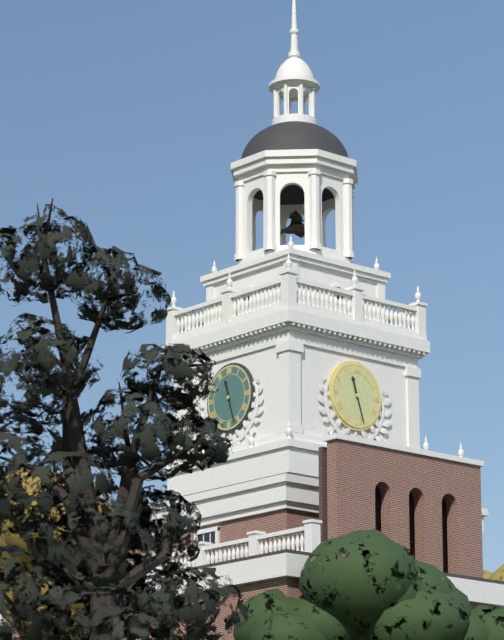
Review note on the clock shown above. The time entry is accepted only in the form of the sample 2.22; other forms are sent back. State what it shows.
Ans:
11.27
